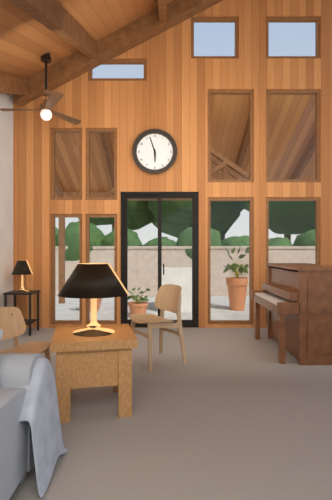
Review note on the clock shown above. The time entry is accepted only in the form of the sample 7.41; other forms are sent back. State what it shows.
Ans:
5.57
